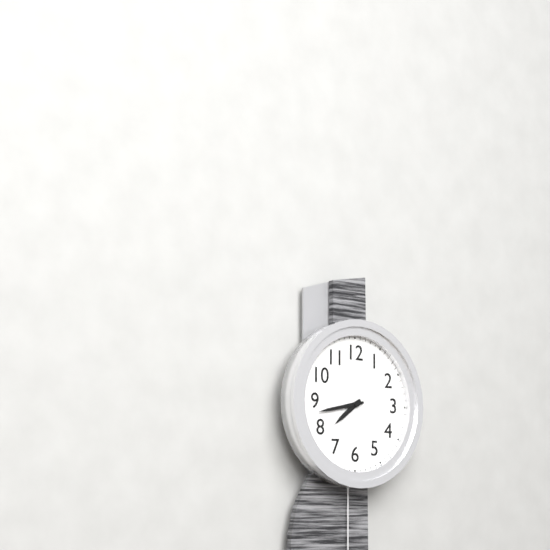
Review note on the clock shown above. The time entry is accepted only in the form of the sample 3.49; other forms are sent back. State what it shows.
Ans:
7.43
